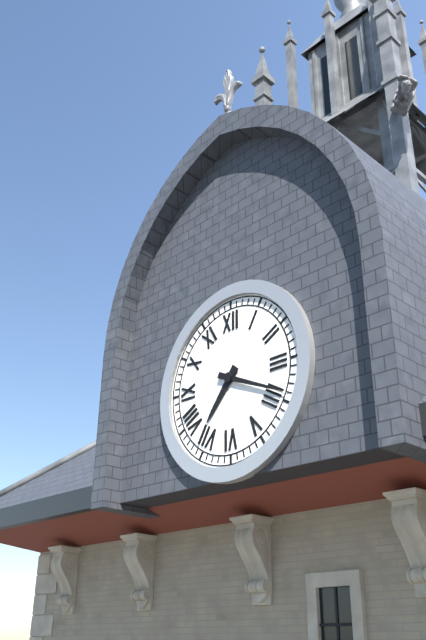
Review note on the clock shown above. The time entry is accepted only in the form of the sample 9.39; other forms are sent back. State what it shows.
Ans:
7.19
